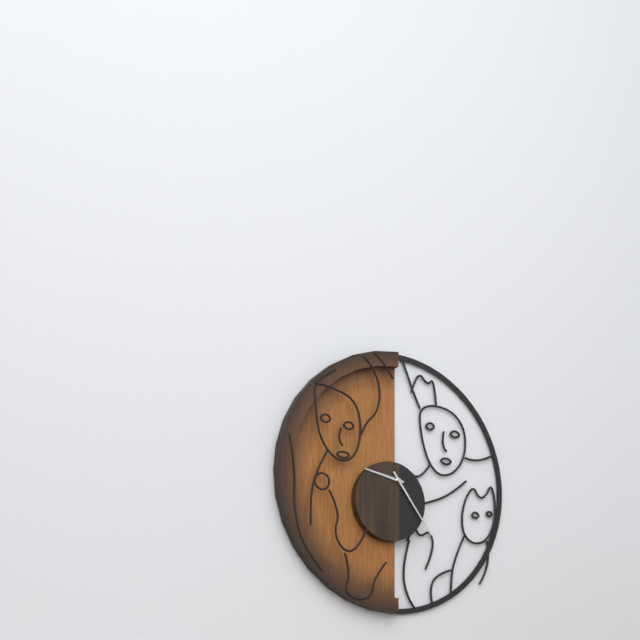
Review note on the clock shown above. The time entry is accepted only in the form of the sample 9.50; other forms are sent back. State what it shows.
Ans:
9.24
